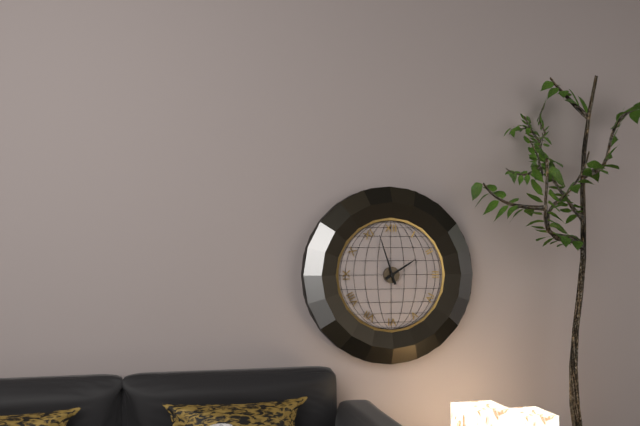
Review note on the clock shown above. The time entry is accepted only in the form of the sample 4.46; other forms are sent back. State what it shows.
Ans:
1.57
